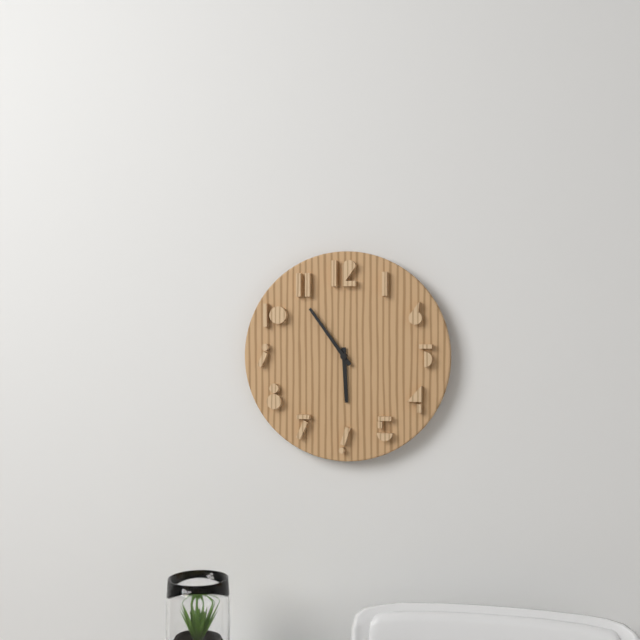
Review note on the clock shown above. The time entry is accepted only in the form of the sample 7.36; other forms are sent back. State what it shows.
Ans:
5.54
